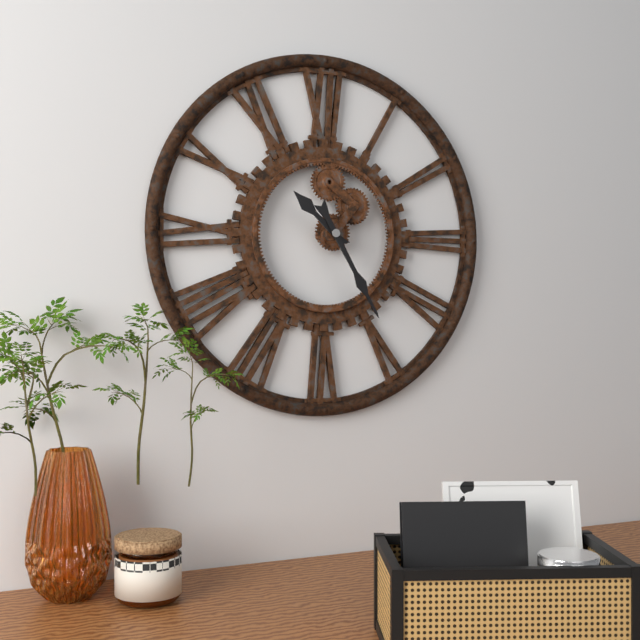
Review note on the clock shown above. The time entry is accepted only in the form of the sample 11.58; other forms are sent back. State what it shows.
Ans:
10.25
